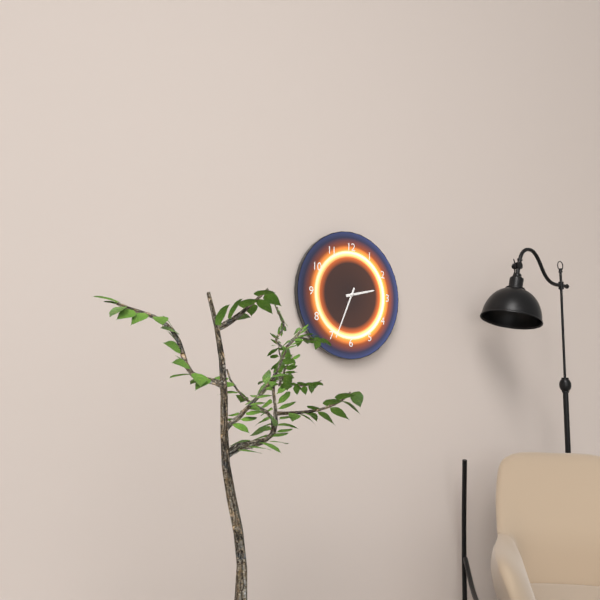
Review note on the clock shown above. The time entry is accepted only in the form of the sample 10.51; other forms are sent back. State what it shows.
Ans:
2.34
